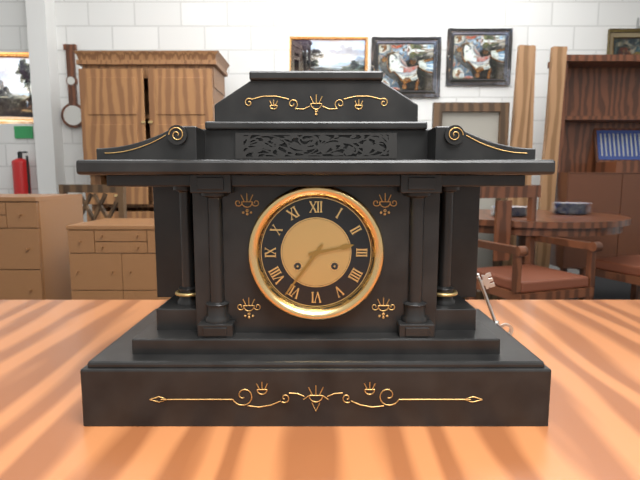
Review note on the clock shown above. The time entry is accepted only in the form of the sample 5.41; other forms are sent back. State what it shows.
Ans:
2.36
